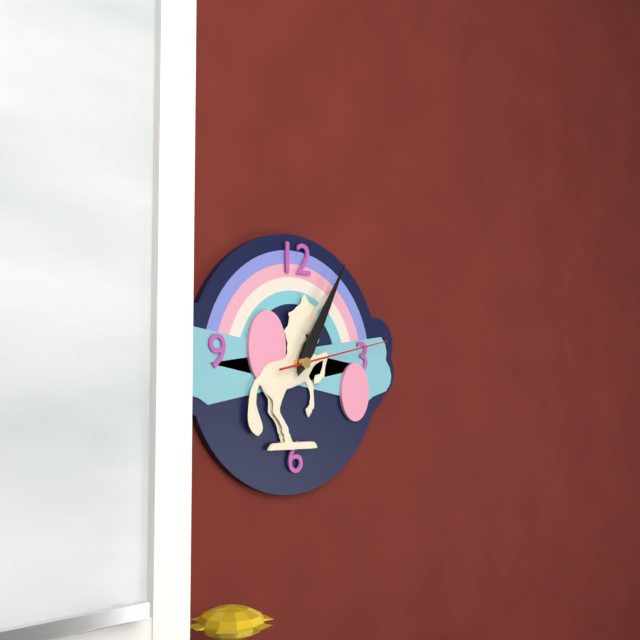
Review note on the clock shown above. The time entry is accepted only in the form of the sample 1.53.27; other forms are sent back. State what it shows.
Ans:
1.05.13
